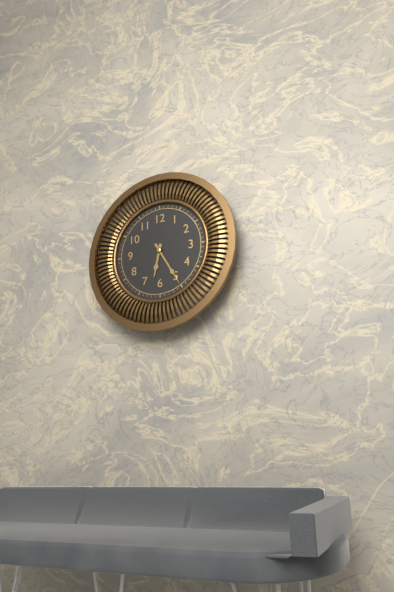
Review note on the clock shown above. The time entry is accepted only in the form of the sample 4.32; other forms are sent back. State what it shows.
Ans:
6.25
